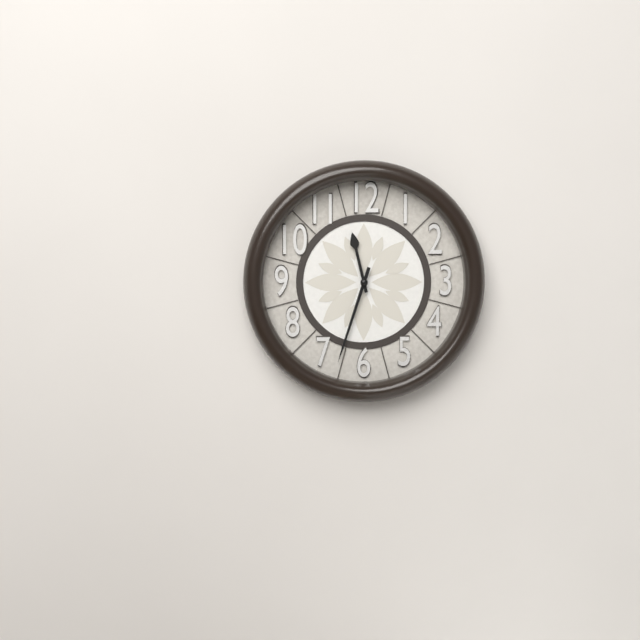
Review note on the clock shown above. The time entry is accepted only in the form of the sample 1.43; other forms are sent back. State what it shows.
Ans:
11.33
